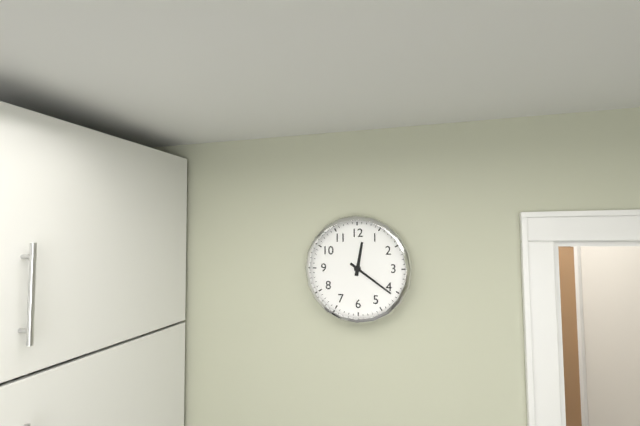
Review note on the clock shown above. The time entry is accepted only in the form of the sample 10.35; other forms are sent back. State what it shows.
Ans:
12.21
